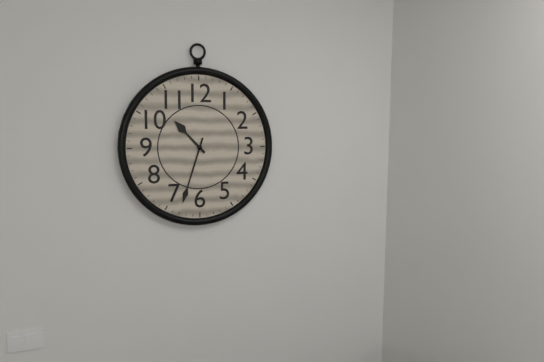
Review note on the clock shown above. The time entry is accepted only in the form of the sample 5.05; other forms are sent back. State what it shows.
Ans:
10.33
